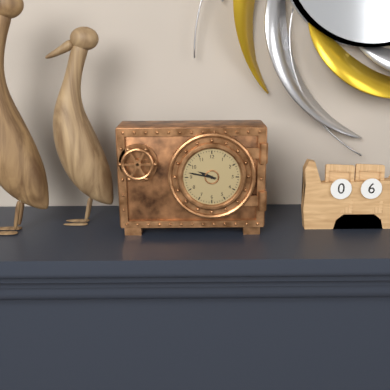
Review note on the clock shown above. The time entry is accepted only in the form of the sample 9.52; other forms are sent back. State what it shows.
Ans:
9.47
